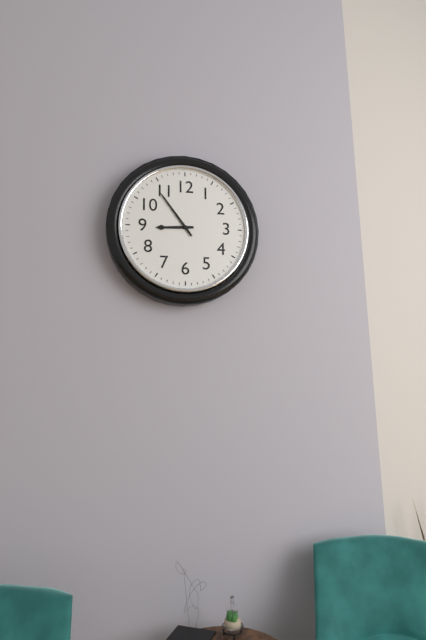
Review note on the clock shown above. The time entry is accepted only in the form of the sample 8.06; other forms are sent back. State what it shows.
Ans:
8.54
